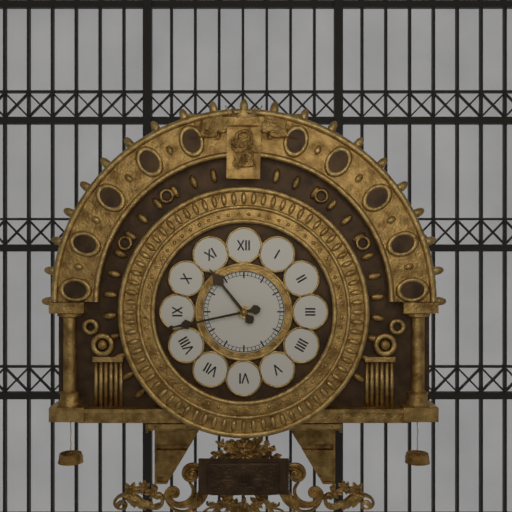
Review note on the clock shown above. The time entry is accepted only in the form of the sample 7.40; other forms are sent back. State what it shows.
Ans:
10.43
